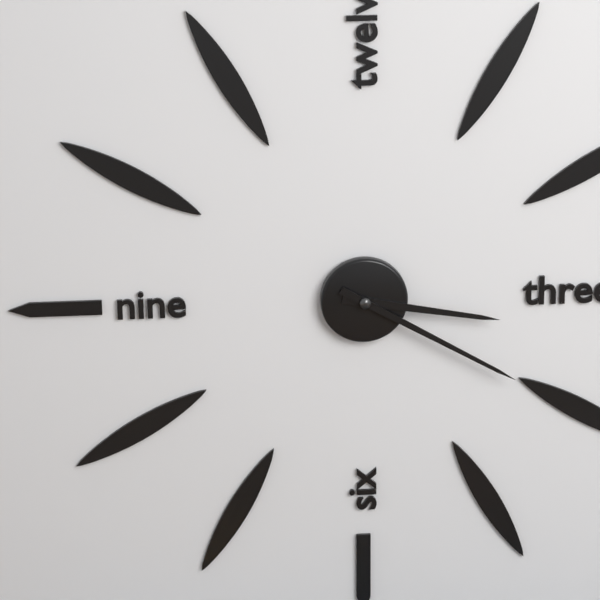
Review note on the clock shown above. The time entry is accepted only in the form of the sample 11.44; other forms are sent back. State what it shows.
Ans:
3.20
